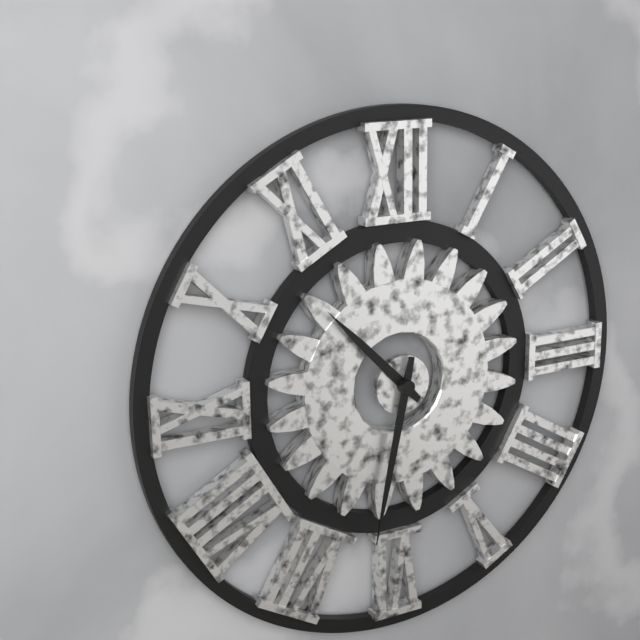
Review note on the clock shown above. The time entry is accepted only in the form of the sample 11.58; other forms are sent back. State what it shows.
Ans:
10.32
